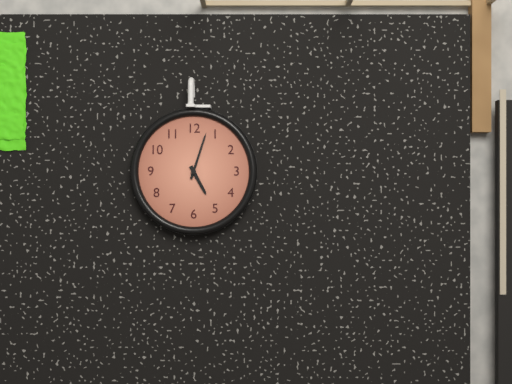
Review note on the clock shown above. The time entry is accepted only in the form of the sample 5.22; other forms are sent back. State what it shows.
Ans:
5.03
